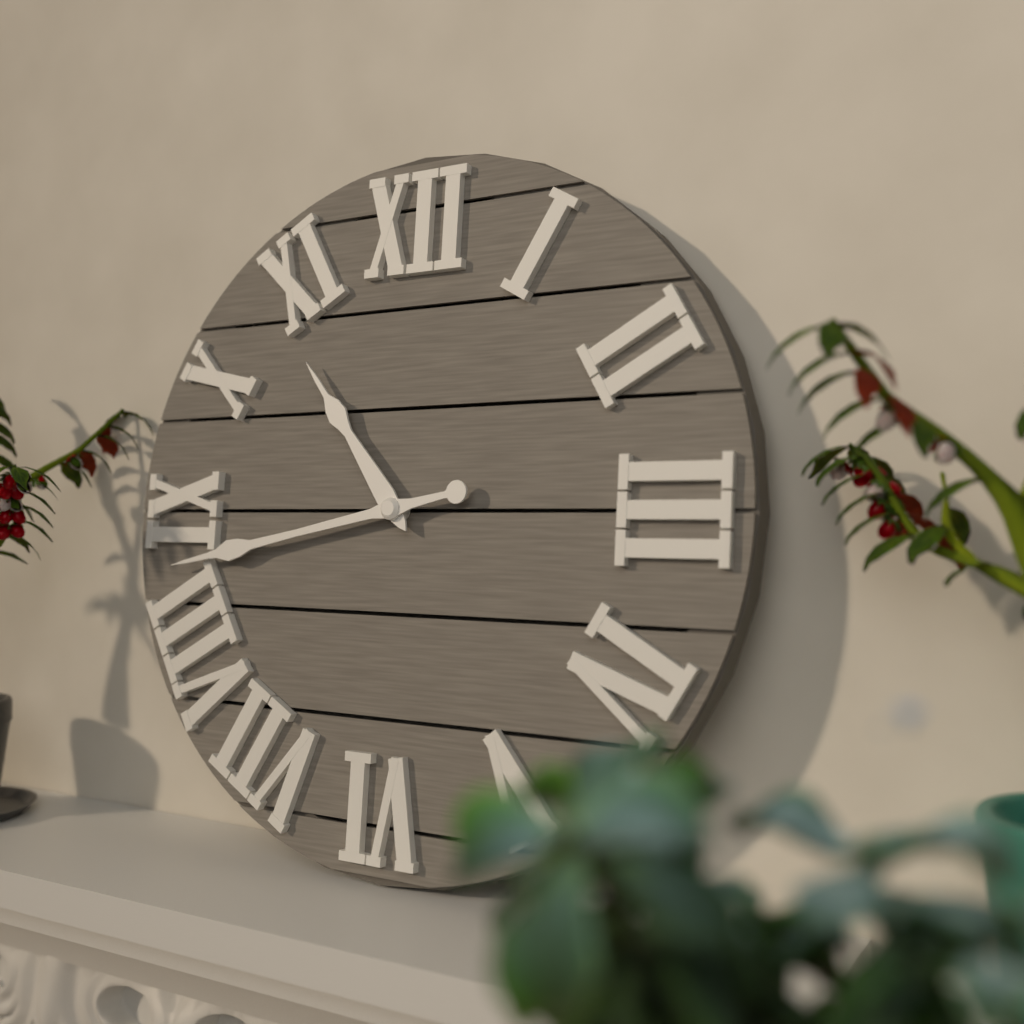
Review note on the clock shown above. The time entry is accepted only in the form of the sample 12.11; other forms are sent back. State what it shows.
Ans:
10.43
